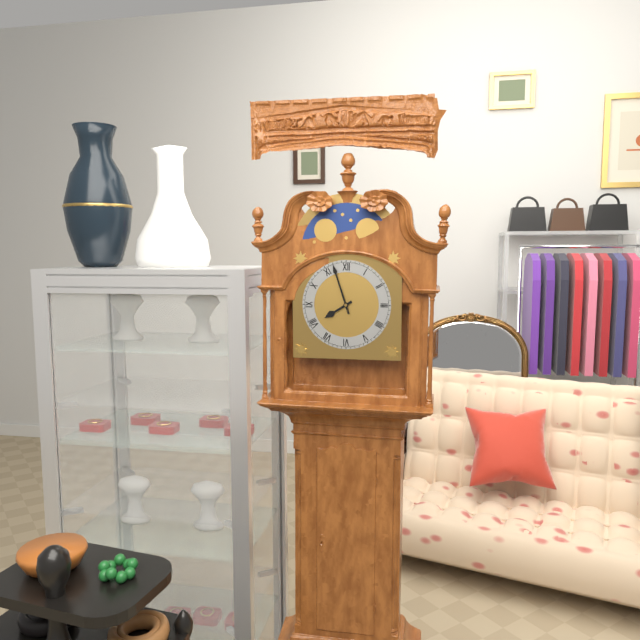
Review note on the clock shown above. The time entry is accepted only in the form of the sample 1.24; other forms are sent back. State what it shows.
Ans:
7.57
